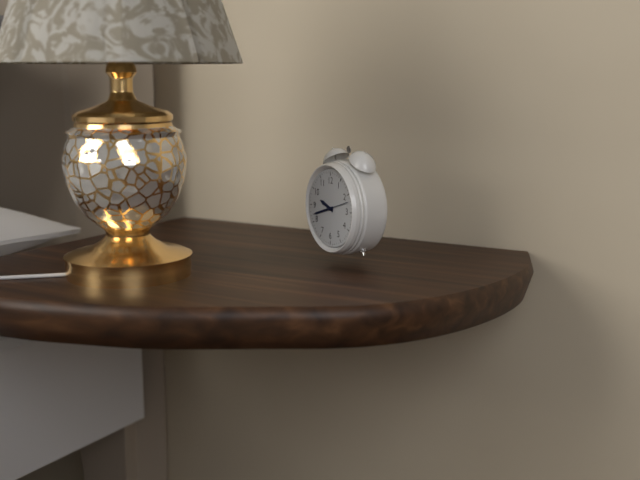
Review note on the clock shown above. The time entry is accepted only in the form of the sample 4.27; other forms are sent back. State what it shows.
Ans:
9.42
